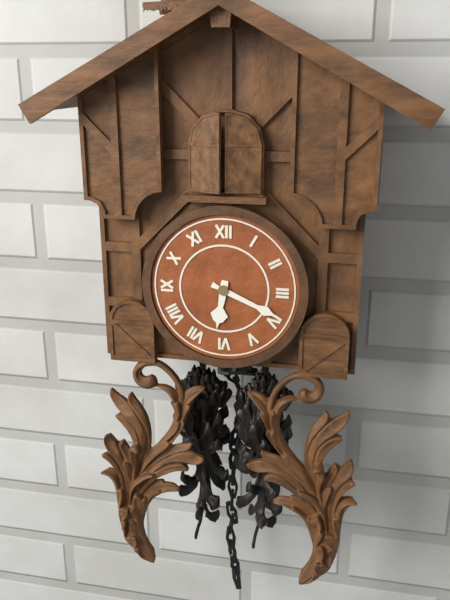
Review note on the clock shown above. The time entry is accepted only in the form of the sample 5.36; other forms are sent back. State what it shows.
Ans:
6.19
